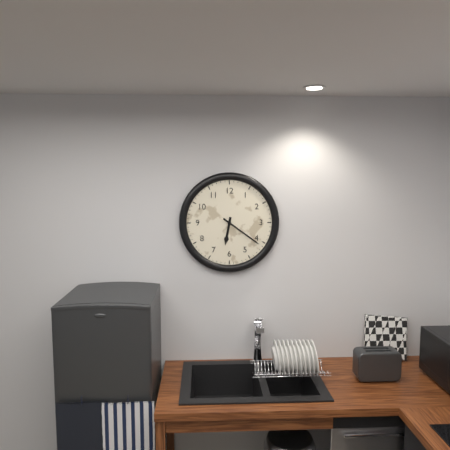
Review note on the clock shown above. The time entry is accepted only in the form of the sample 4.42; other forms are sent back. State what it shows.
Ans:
6.21
